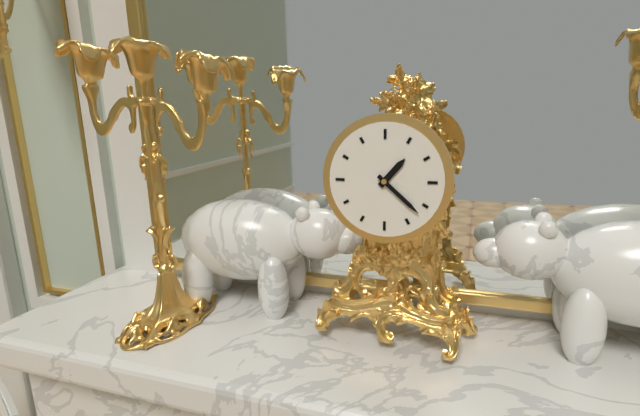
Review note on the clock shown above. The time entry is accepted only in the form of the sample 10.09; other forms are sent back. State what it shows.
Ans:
1.22
